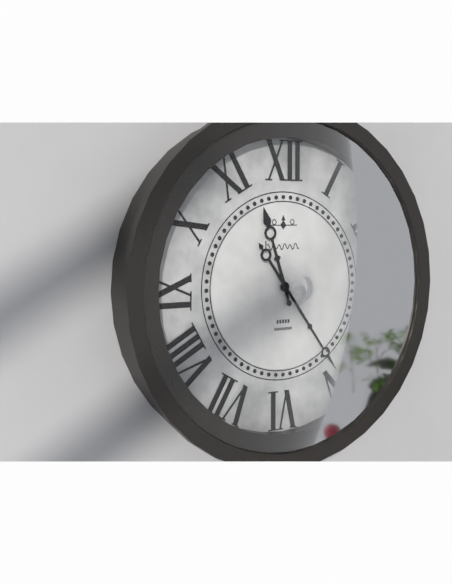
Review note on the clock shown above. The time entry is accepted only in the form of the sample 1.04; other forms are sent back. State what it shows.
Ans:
11.24
